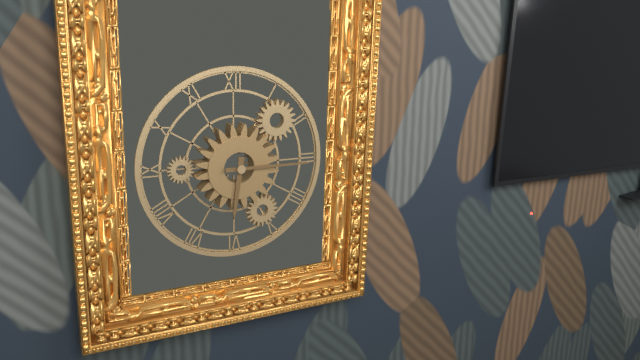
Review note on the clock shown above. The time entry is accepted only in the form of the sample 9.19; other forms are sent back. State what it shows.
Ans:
6.15
